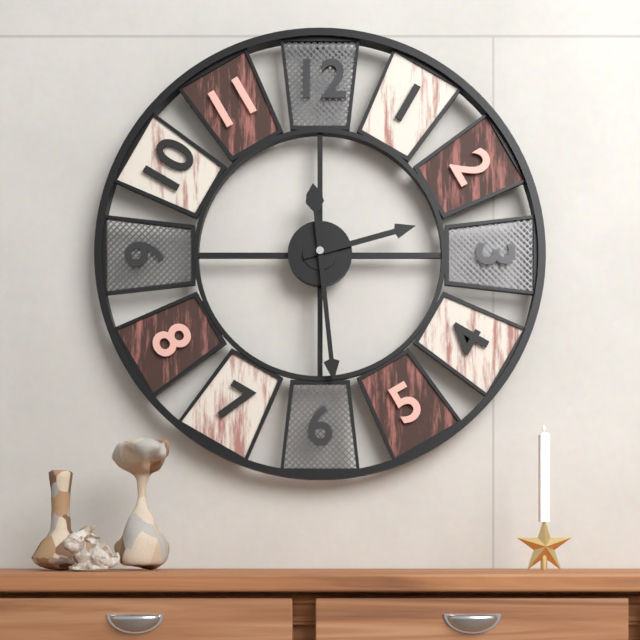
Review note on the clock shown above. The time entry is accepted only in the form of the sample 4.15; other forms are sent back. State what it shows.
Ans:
2.29
